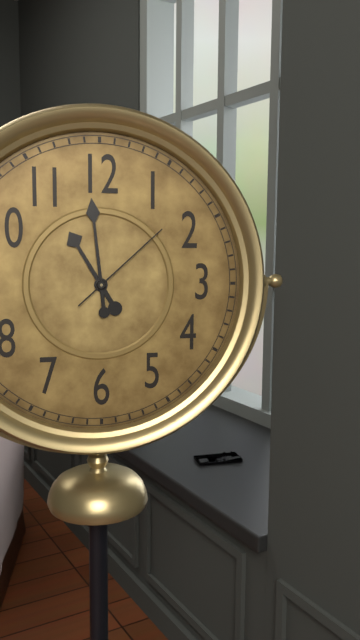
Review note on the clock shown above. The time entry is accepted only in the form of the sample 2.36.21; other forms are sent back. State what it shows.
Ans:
10.59.08
